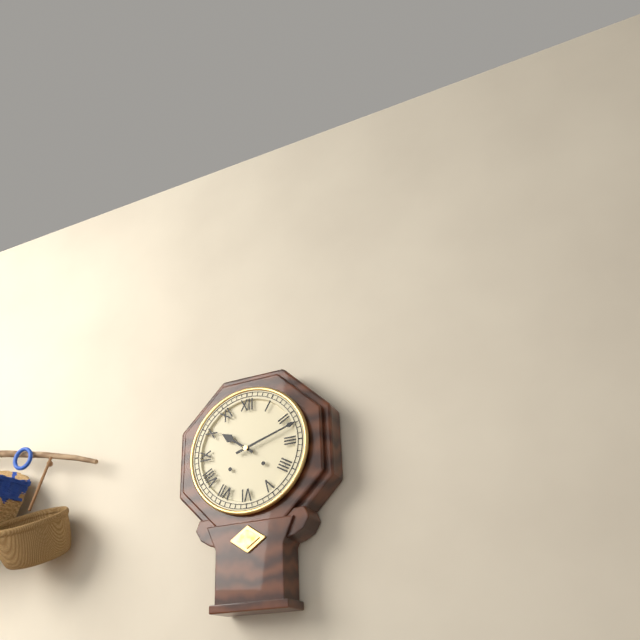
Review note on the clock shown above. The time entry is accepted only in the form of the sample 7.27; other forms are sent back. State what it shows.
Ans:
10.12
